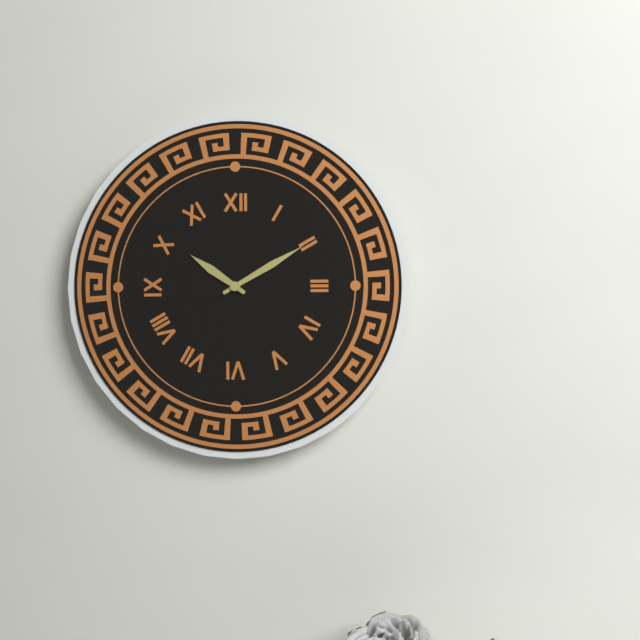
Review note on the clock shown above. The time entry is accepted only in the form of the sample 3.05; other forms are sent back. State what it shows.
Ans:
10.10
